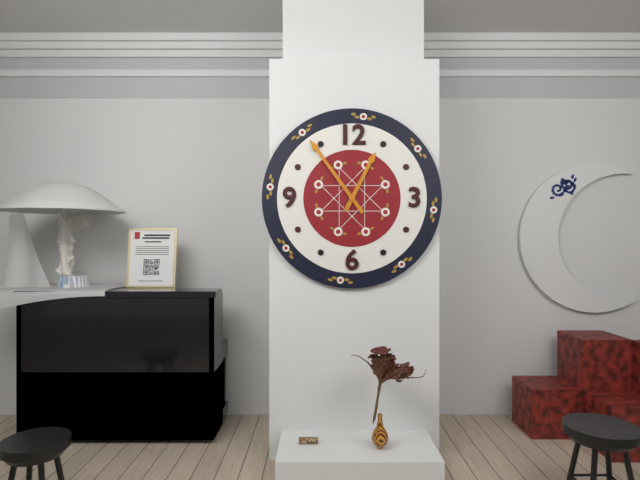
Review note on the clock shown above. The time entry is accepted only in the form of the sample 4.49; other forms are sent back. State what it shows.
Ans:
12.54
